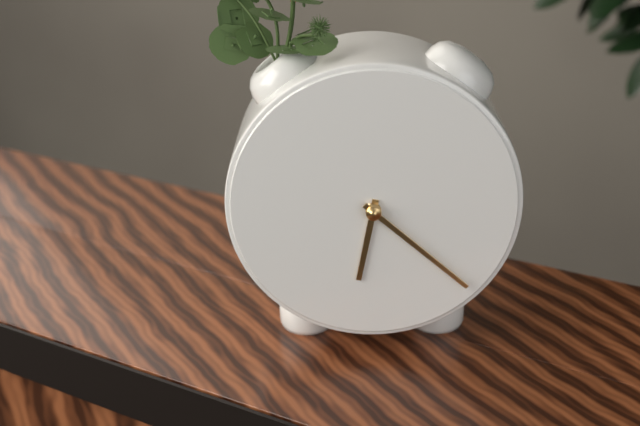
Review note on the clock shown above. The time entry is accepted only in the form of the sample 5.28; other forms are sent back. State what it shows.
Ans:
6.22
